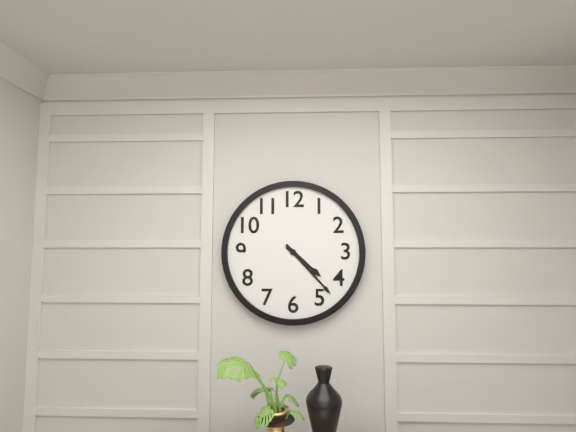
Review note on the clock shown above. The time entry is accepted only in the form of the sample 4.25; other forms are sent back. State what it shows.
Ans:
4.23
